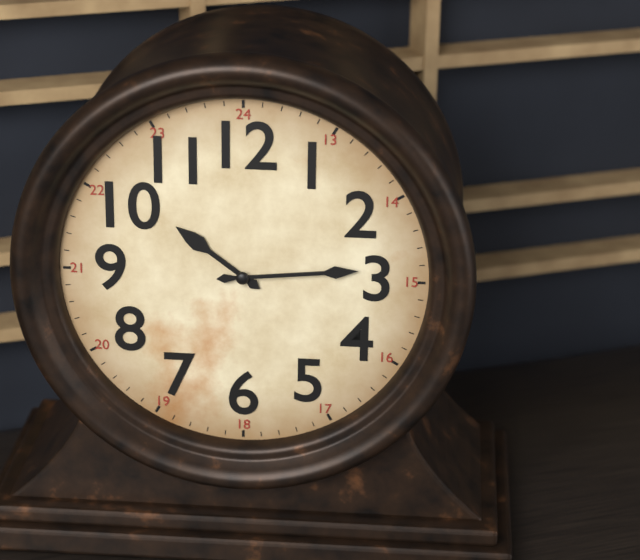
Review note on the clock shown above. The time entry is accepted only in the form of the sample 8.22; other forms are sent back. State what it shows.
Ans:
10.14
